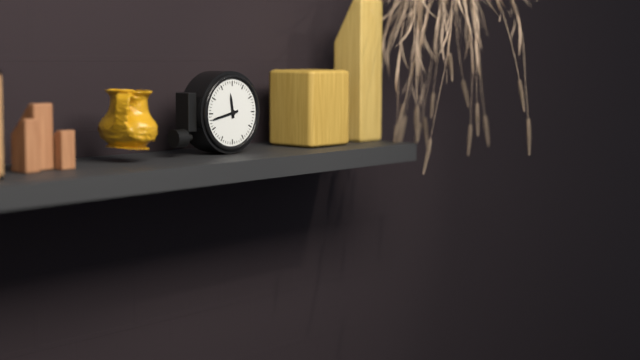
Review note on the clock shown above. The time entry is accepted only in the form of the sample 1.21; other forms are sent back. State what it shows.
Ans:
11.43
